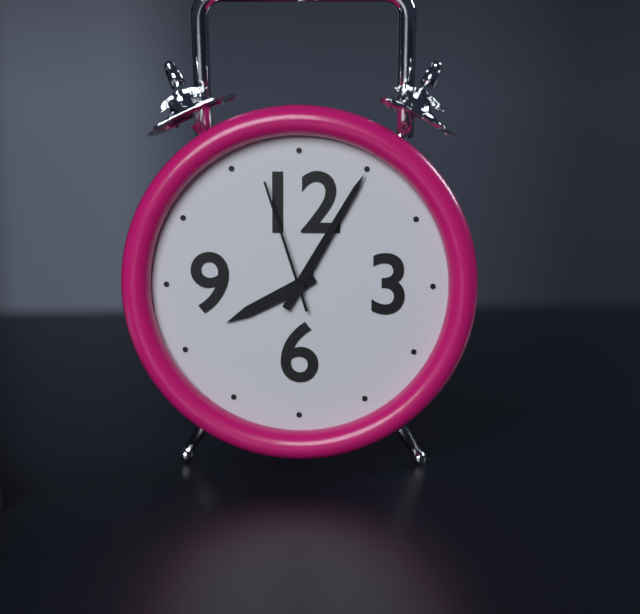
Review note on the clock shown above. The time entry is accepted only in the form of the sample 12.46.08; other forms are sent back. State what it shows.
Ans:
8.05.57
